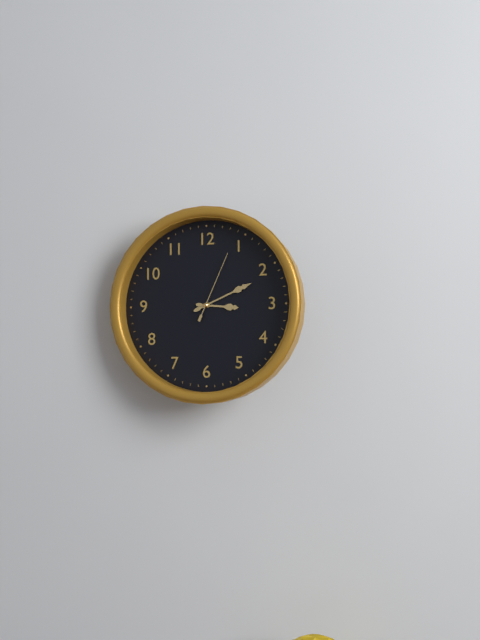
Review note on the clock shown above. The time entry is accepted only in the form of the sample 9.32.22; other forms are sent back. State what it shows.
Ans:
3.11.04
